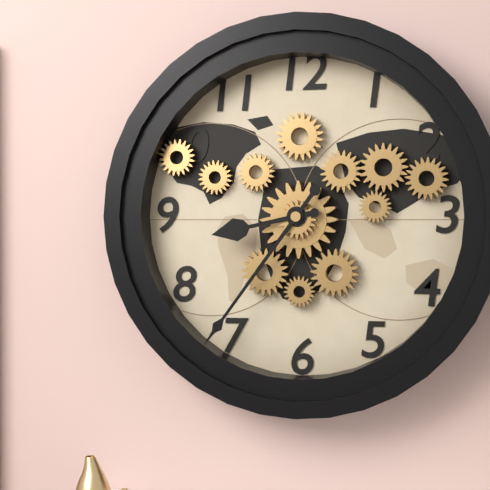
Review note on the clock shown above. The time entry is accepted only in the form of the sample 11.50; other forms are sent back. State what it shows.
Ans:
8.36
